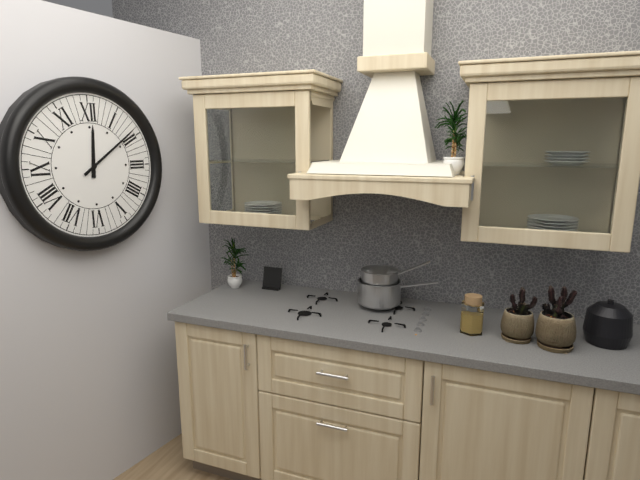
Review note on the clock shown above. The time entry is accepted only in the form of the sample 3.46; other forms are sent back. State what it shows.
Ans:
12.09
